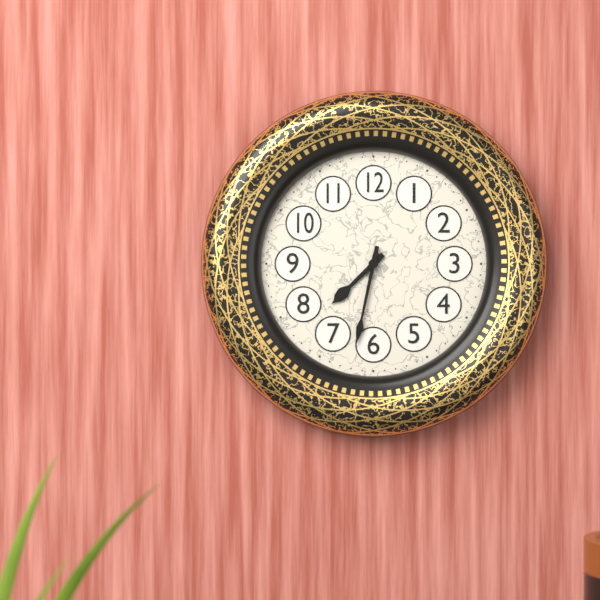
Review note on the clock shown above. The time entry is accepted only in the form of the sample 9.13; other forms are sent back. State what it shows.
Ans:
7.32
